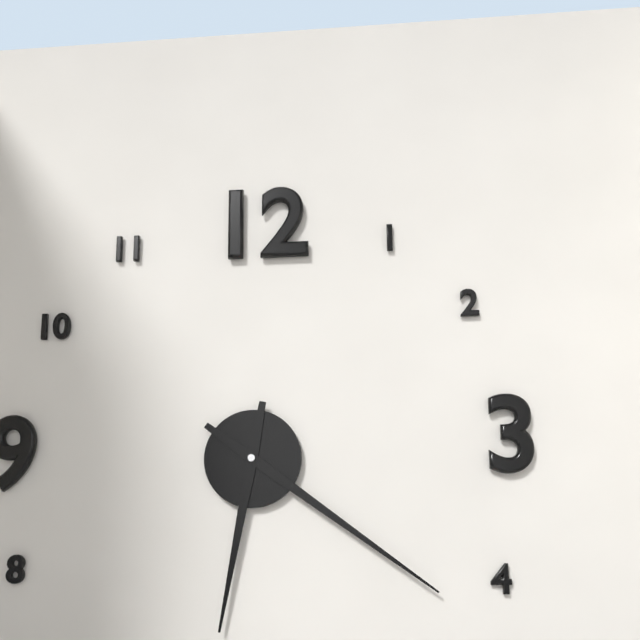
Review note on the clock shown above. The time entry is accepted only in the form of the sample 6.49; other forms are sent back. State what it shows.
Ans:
6.21
